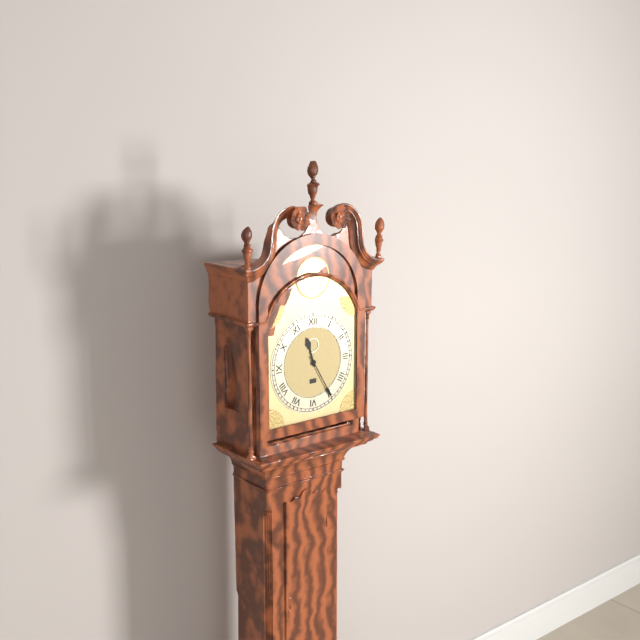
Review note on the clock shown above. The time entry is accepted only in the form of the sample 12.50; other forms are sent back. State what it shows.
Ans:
11.25
